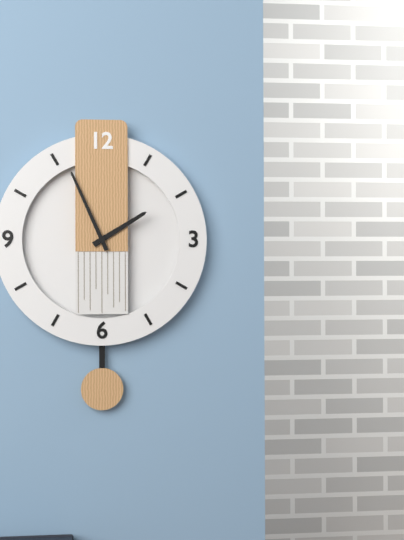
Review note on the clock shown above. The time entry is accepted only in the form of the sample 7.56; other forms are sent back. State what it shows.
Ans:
1.56
